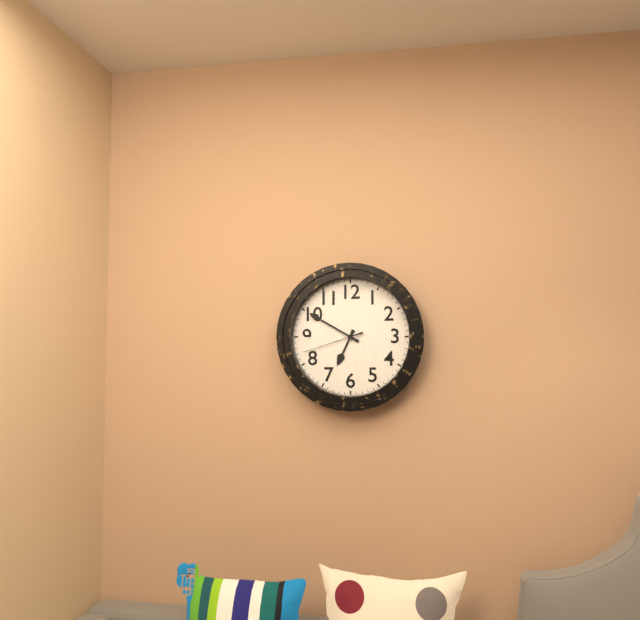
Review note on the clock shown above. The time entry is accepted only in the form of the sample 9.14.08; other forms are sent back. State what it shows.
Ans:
6.50.42
